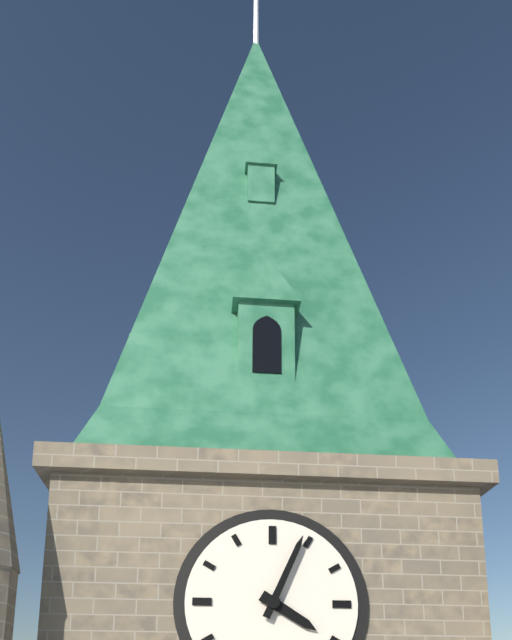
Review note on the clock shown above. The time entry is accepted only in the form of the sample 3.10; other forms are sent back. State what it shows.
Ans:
4.04
